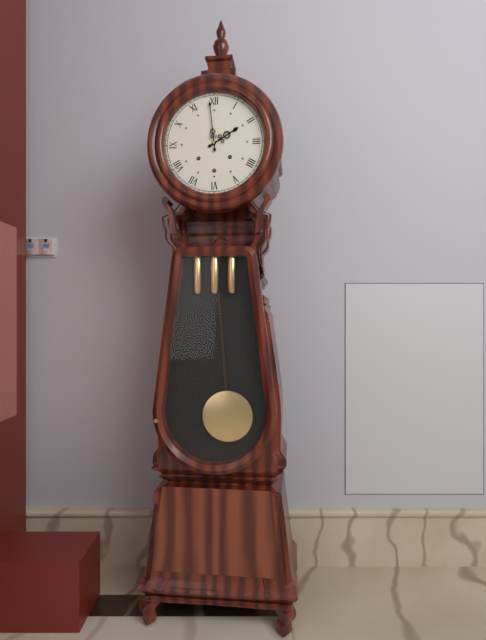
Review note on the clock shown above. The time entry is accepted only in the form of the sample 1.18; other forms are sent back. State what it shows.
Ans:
1.59
